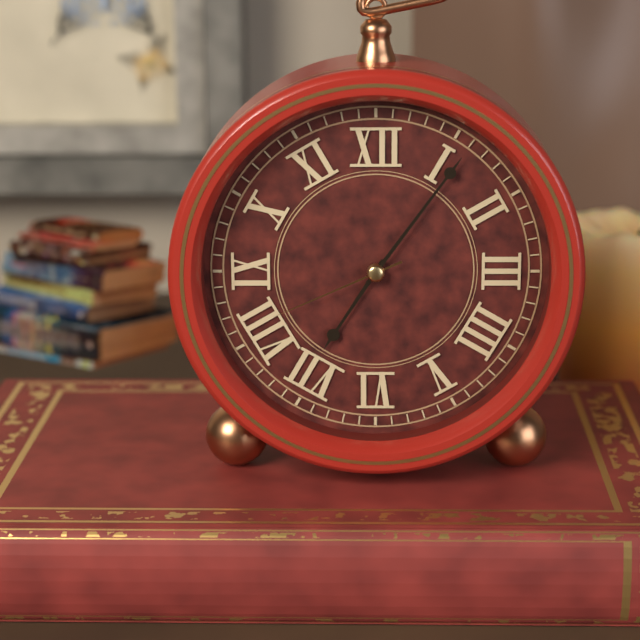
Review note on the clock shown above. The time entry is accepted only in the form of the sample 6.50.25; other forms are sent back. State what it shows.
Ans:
7.06.41
